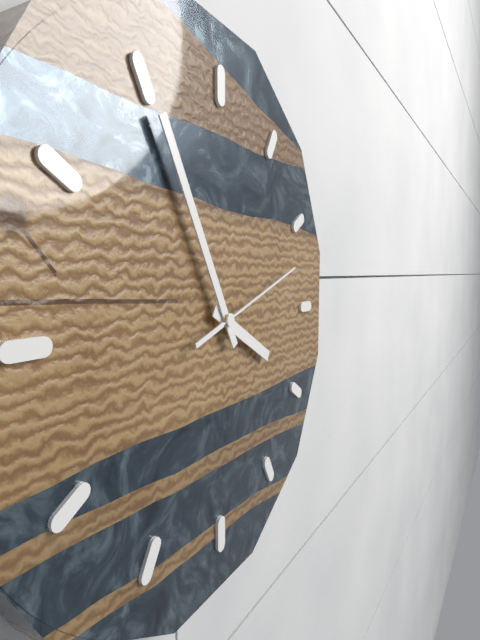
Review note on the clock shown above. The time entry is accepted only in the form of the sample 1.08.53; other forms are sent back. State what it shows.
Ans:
3.55.12
